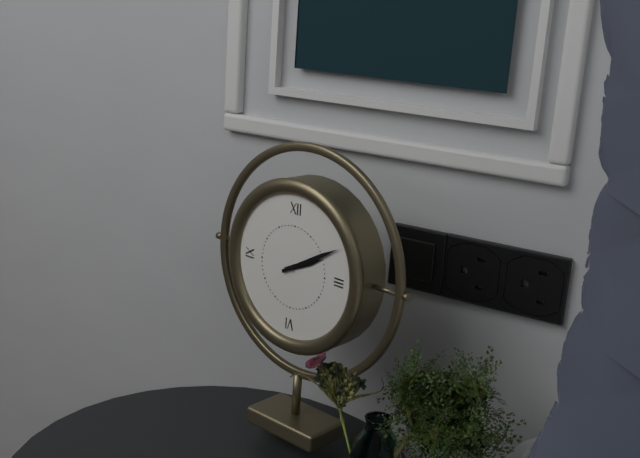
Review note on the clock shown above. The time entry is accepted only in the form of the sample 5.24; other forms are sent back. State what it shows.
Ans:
2.10
